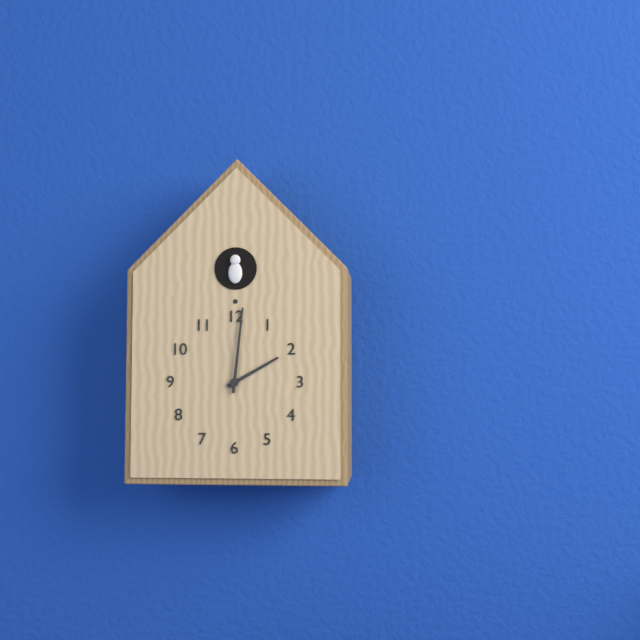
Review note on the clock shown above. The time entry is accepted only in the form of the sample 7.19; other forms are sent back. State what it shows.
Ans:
2.01
